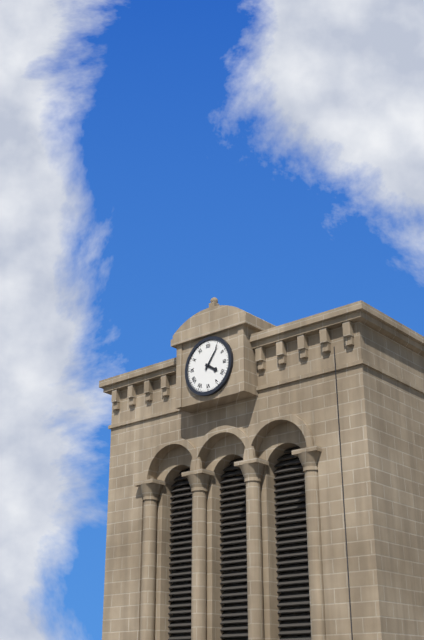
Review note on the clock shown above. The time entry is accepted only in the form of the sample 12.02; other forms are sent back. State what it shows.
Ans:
4.06
